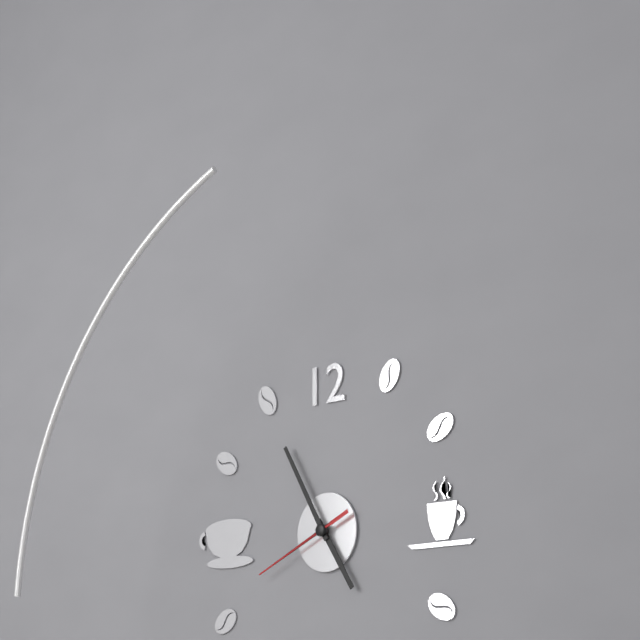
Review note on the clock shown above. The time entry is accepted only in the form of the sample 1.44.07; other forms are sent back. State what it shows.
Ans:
4.55.41
